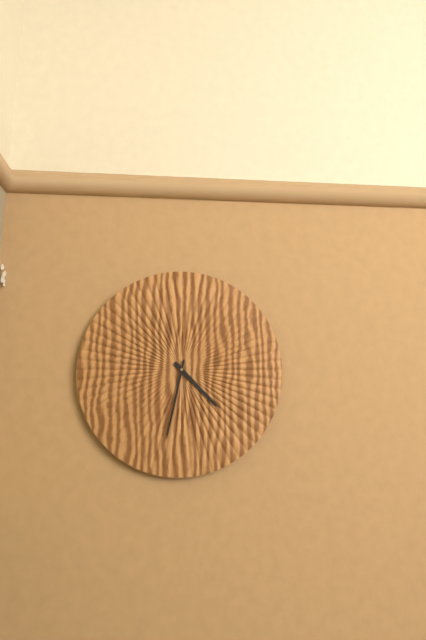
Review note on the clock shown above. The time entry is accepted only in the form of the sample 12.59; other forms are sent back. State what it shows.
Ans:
4.32
